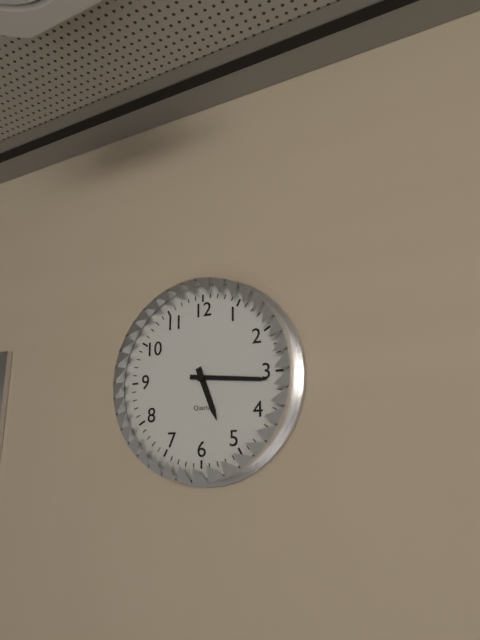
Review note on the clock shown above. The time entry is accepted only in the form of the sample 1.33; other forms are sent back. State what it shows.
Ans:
5.16
